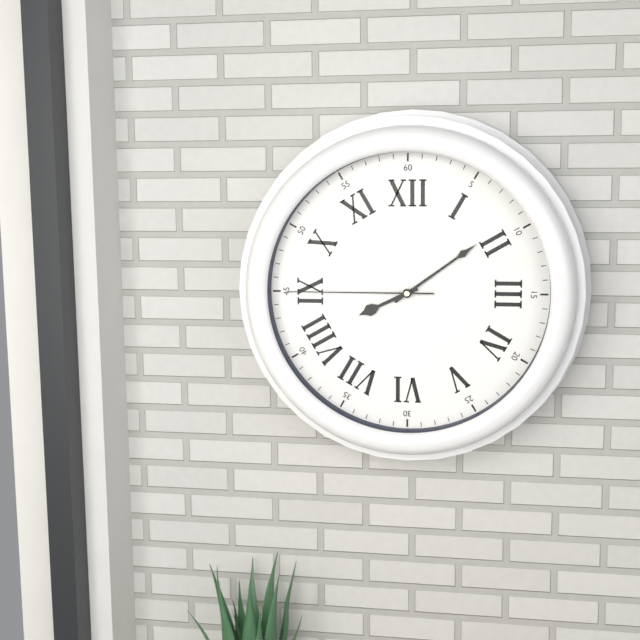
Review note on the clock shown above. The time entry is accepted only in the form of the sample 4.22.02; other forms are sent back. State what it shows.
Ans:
8.09.45
